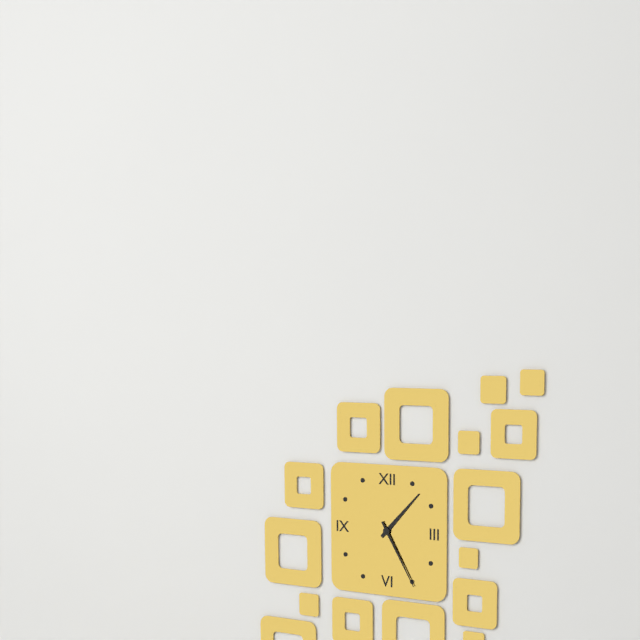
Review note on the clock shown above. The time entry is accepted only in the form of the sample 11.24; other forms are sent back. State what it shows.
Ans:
1.25
